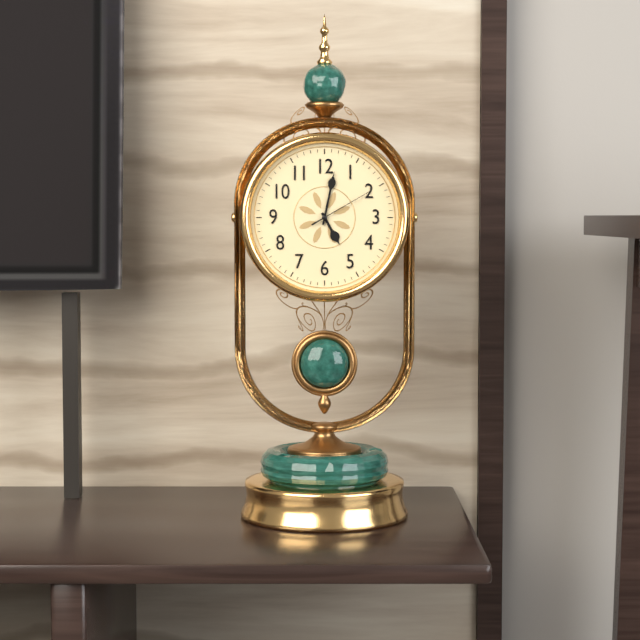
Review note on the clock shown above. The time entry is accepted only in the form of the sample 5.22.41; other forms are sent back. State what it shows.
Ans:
5.02.10
